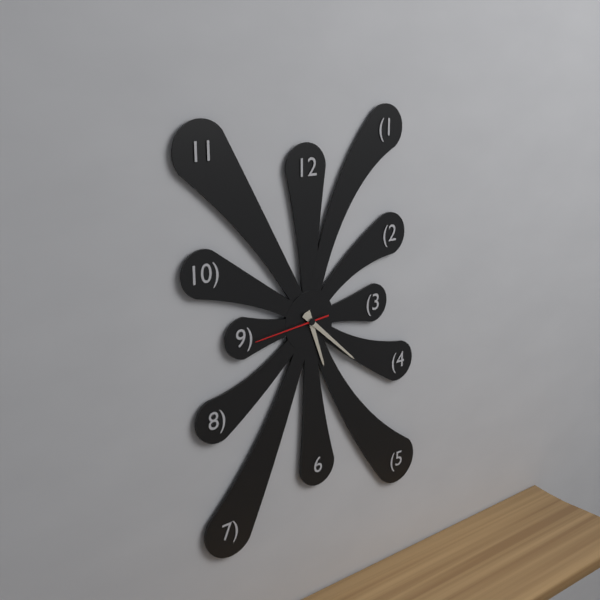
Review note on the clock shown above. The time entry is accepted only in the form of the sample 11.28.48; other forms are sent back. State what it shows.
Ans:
5.22.44
